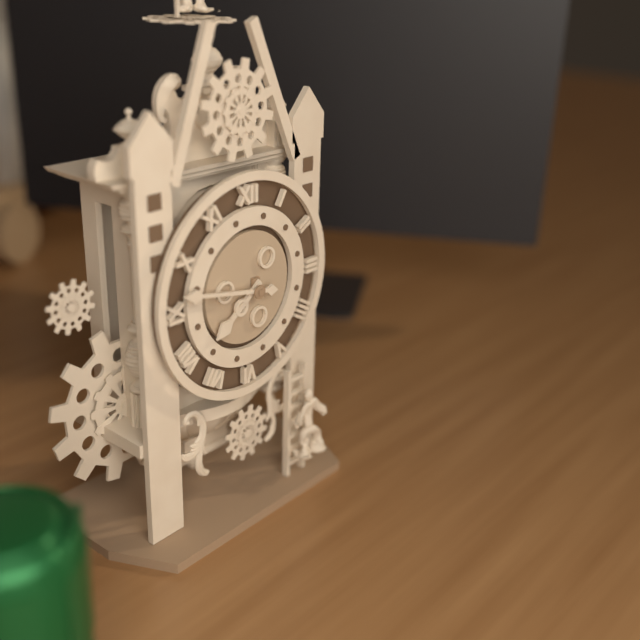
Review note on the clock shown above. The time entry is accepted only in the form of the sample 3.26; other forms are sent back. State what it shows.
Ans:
7.47
